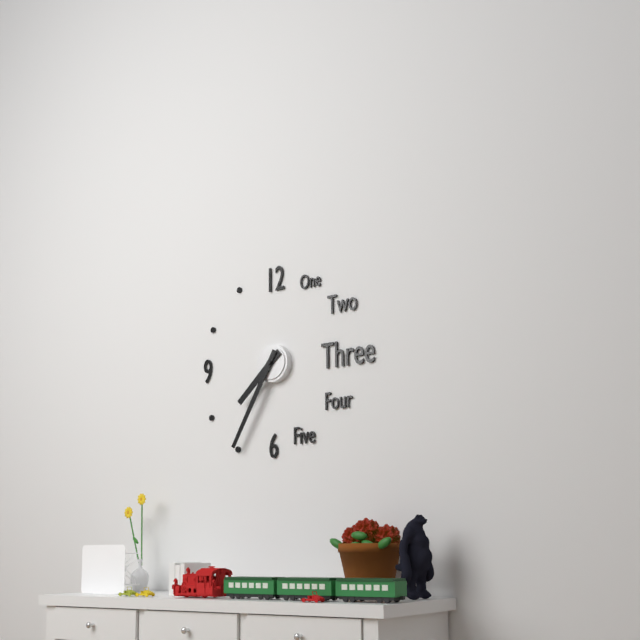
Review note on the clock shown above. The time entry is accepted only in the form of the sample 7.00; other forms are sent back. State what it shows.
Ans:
7.35
